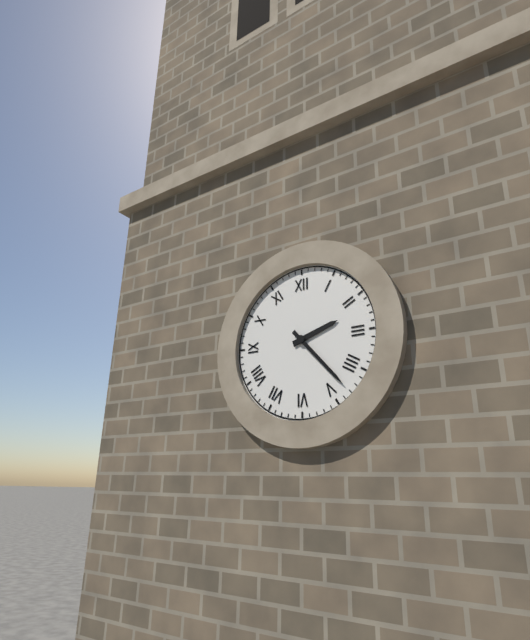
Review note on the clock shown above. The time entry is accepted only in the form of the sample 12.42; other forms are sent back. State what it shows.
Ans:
2.23
